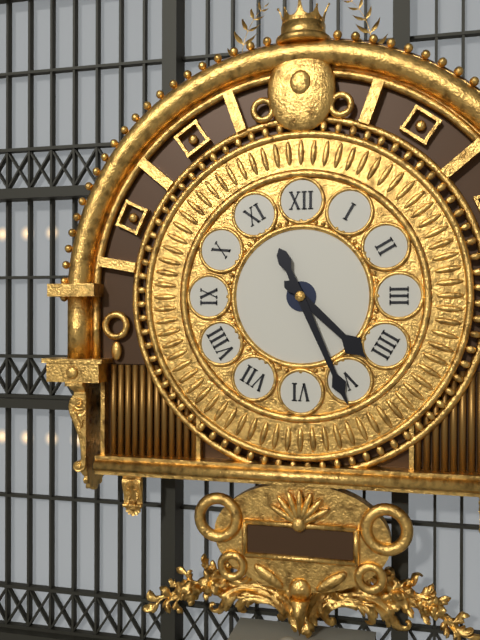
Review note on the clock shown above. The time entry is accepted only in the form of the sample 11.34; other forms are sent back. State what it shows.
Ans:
4.26
